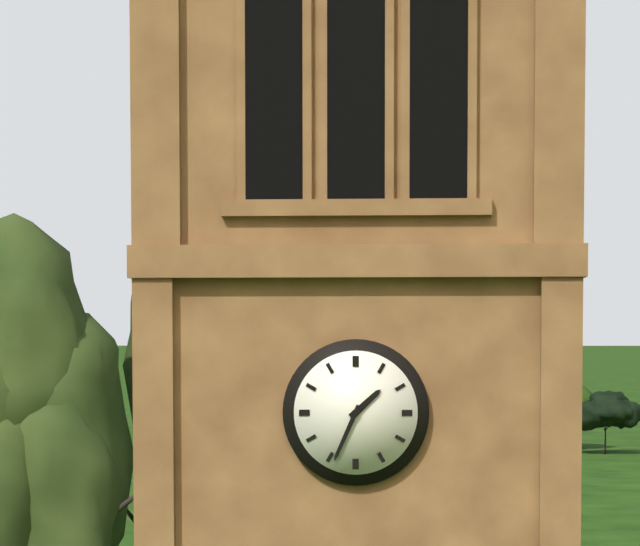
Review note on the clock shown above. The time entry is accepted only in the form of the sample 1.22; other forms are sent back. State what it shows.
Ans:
1.34
